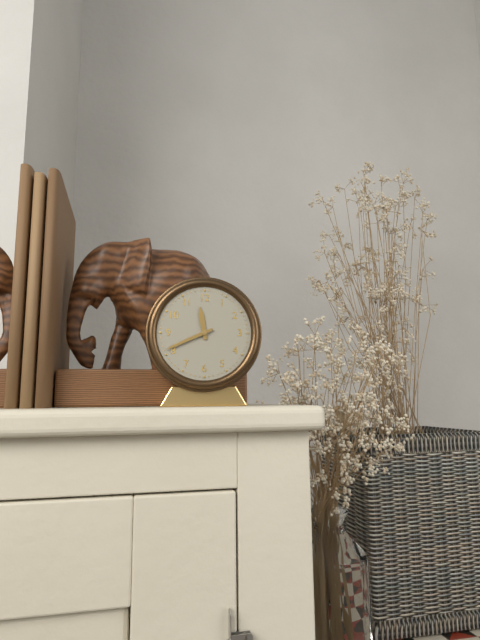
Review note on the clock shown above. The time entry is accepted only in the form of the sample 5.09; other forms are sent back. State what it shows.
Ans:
11.41
